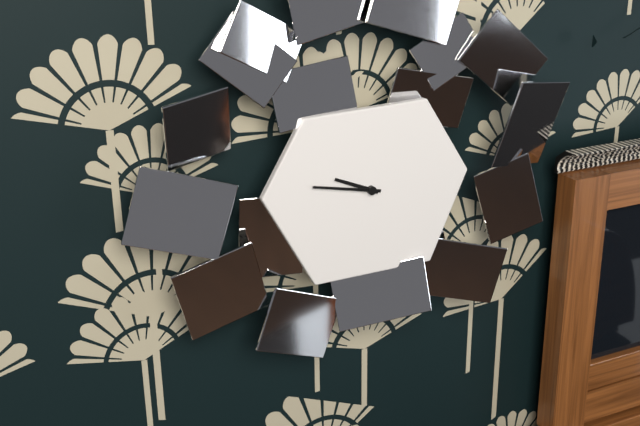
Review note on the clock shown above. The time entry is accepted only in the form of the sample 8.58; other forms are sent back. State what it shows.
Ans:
9.47
